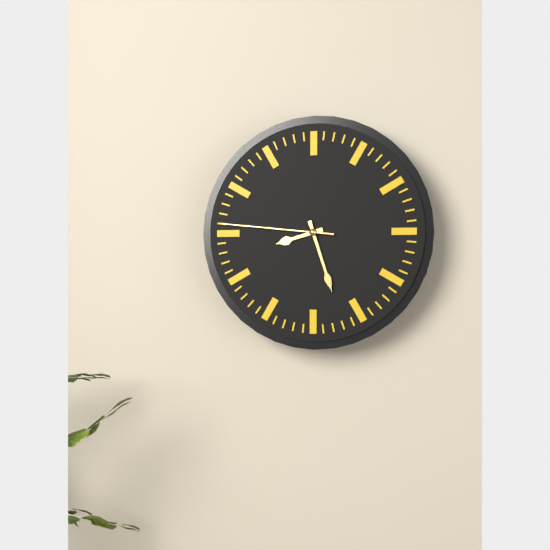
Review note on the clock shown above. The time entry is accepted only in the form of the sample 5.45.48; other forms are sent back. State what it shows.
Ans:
8.27.46
